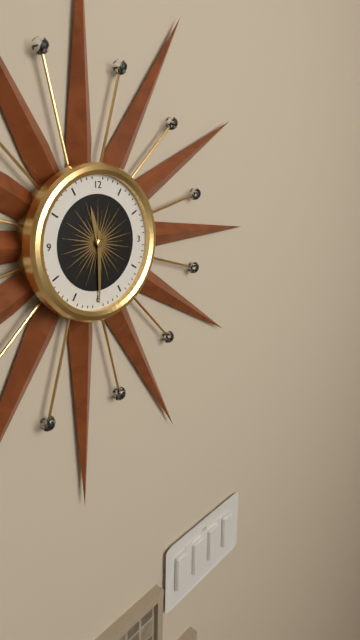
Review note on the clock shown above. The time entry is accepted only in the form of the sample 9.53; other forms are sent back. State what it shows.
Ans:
11.30
